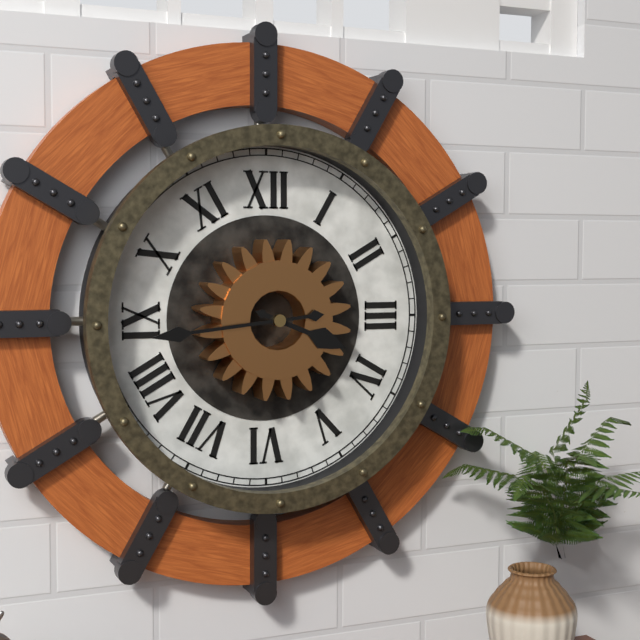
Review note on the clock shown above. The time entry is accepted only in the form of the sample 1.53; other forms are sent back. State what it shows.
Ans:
3.44
